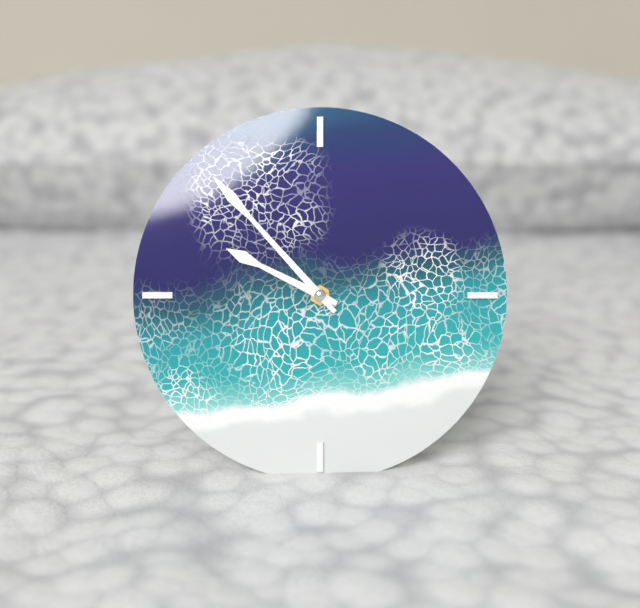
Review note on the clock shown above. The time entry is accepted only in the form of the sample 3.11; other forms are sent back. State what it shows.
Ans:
9.53
